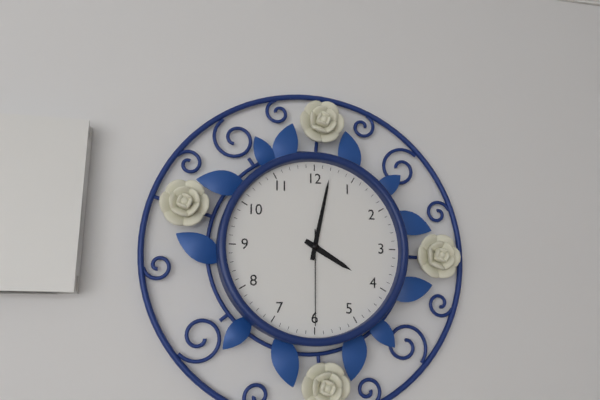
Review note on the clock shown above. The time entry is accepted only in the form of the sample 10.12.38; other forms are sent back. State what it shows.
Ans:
4.02.30
